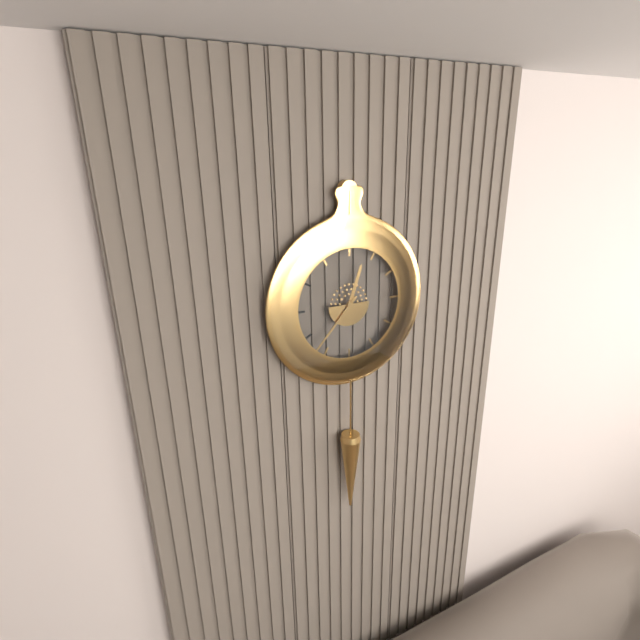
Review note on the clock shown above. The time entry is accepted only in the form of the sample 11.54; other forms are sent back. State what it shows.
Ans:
12.37
